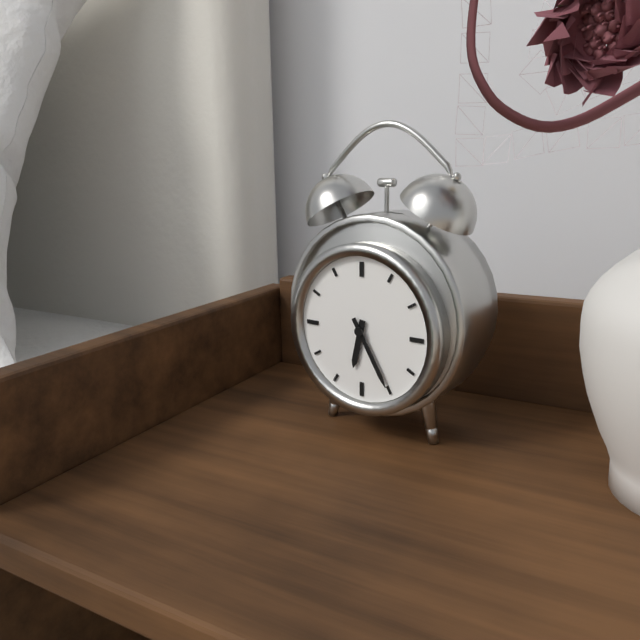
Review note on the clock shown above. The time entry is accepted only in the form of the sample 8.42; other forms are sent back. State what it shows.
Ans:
6.25
